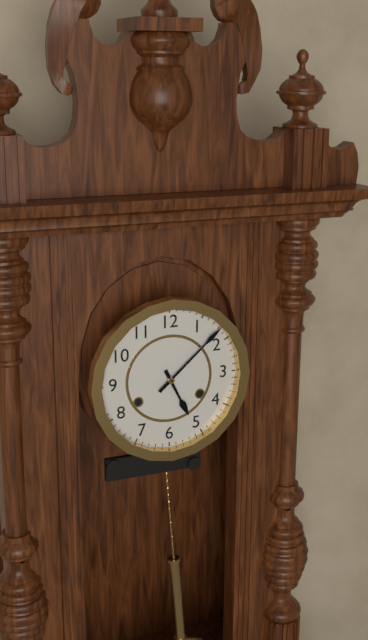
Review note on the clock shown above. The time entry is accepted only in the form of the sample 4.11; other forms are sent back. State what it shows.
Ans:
5.08
